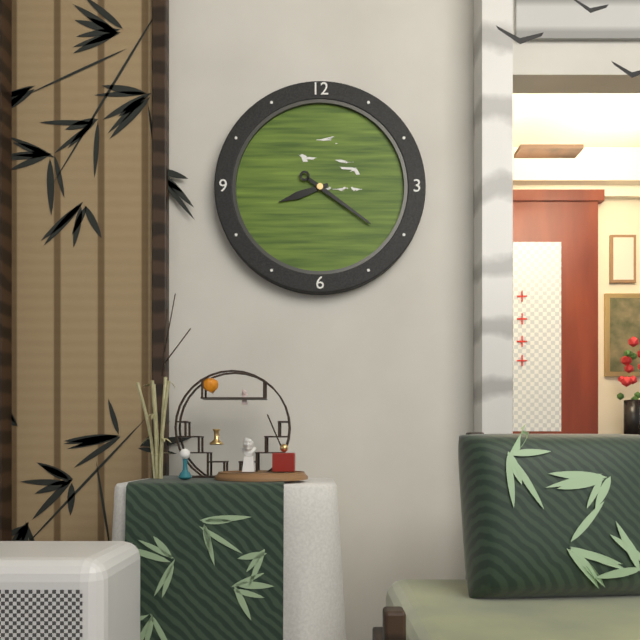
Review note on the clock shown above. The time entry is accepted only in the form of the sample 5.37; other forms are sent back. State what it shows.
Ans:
8.21
